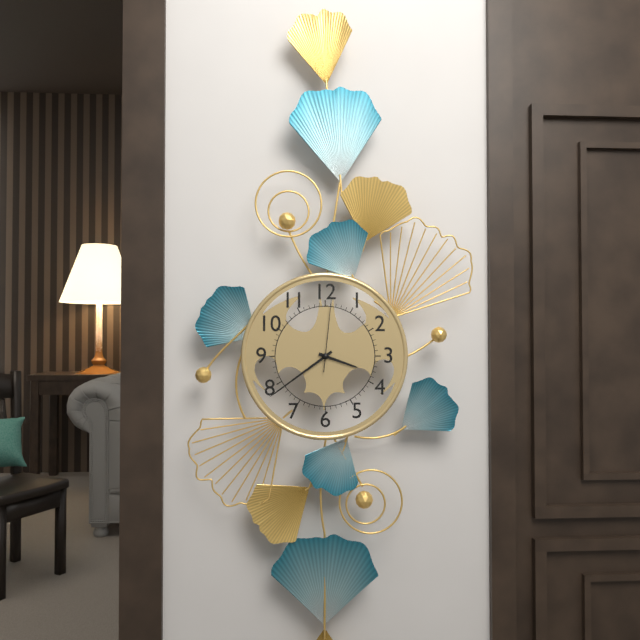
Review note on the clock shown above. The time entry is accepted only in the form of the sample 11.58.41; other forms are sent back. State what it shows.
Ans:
3.39.01
